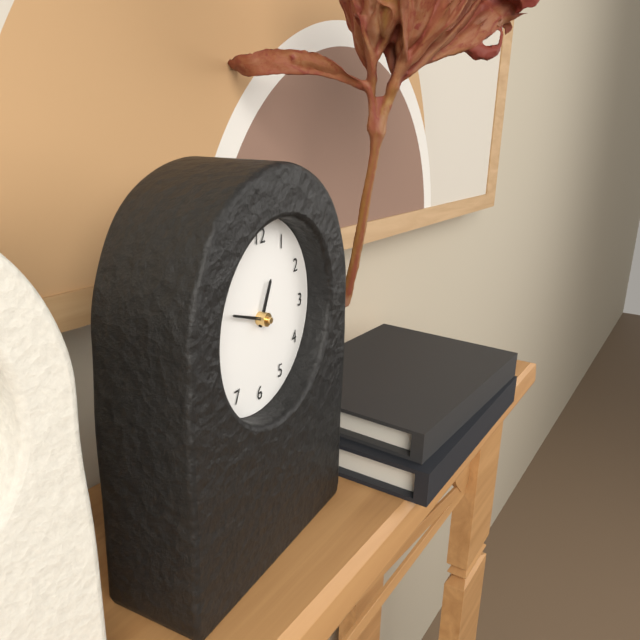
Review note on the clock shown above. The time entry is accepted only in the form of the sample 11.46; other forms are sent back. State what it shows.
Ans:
12.48
